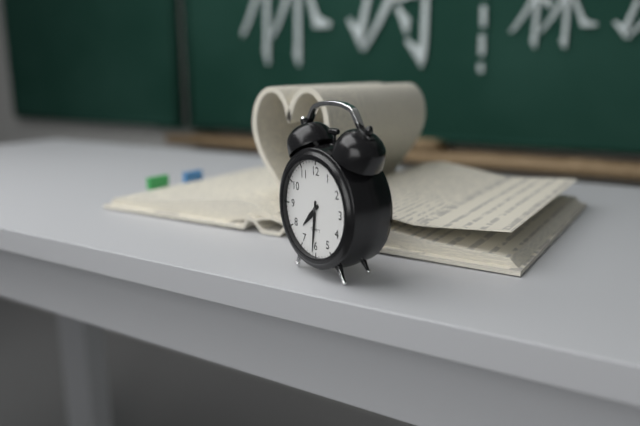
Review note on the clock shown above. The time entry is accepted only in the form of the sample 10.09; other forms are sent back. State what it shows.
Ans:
7.31
